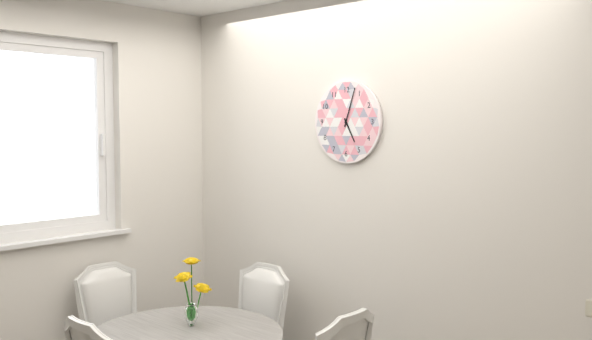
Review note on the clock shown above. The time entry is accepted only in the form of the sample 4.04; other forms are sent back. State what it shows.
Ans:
5.03
